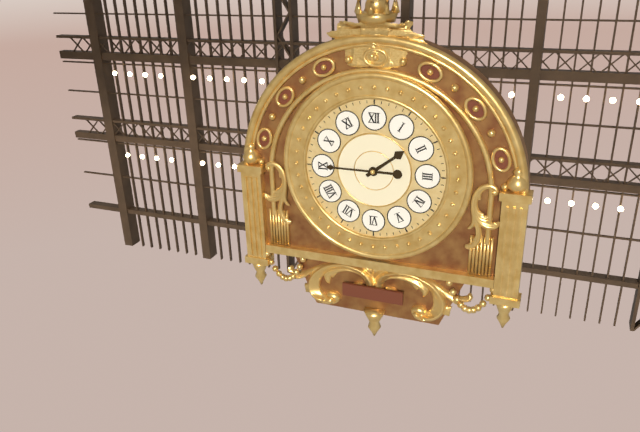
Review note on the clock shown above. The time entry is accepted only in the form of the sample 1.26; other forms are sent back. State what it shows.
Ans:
1.45
